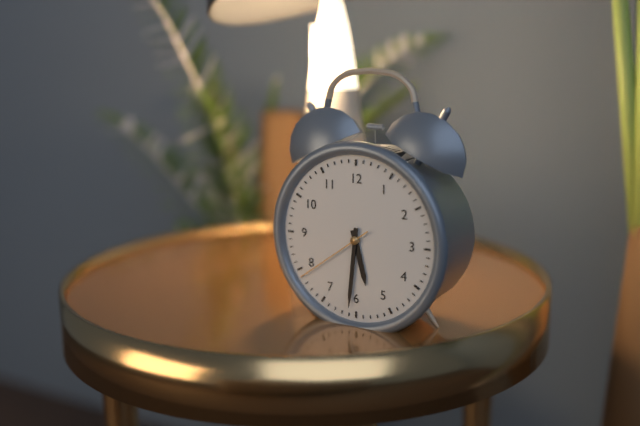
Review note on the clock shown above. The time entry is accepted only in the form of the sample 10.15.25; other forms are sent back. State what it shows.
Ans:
5.31.39
